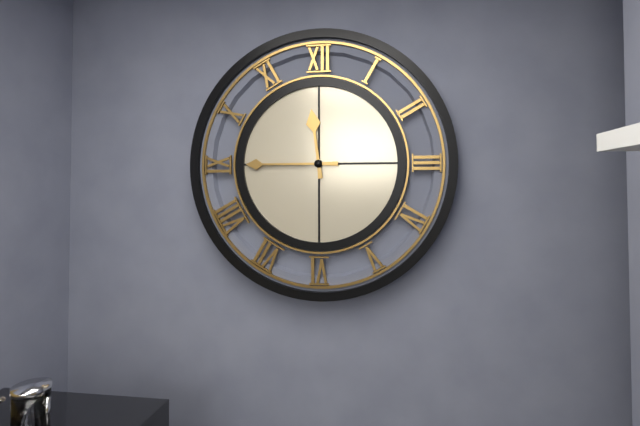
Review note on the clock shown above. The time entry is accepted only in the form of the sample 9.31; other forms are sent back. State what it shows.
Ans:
11.45
